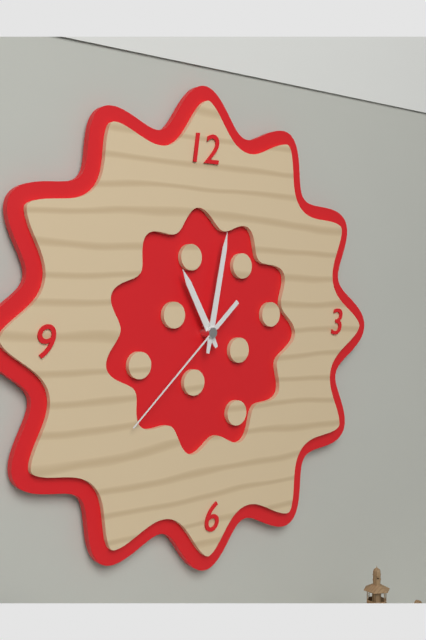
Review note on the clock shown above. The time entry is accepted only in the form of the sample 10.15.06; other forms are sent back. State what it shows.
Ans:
11.02.38
